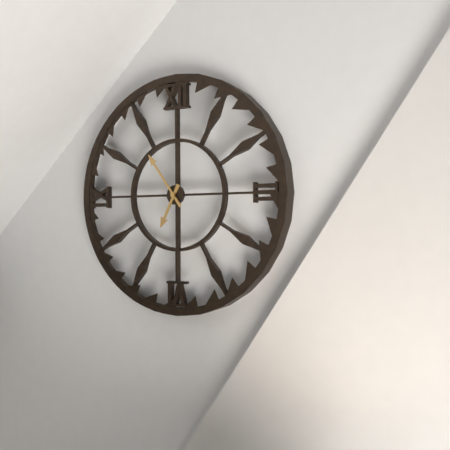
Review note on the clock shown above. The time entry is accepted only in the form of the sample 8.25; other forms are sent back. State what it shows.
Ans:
6.54
